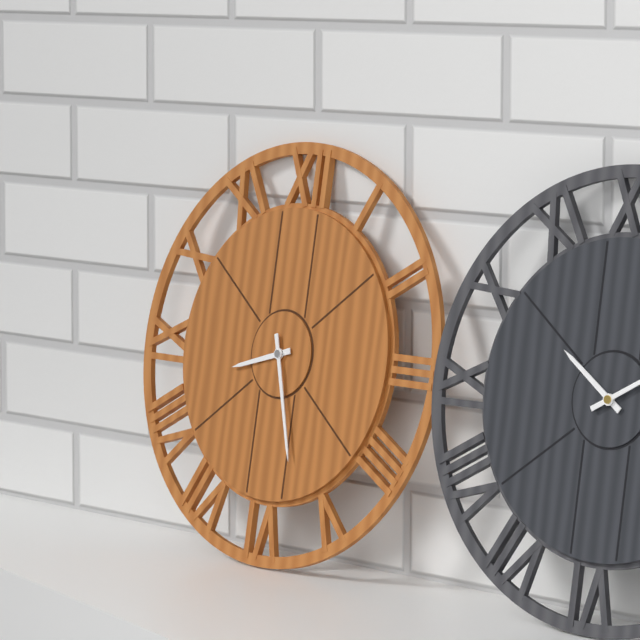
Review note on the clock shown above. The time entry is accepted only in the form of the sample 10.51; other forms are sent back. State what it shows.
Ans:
8.27
